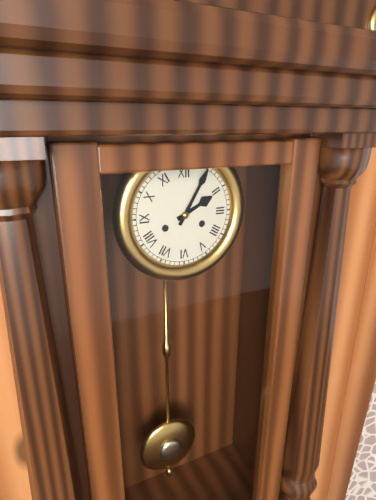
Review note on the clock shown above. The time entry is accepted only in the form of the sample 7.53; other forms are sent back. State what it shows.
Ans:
2.05
